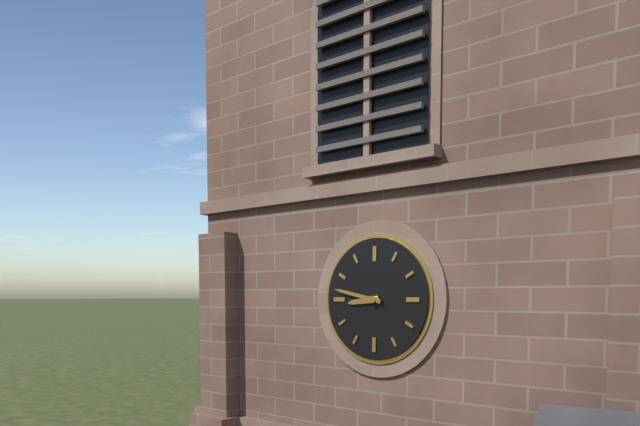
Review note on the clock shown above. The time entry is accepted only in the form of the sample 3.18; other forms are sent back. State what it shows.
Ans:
8.47
